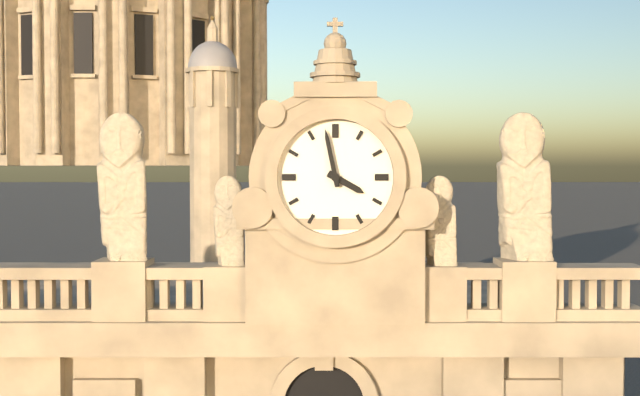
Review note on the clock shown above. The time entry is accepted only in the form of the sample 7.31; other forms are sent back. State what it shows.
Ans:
3.58
